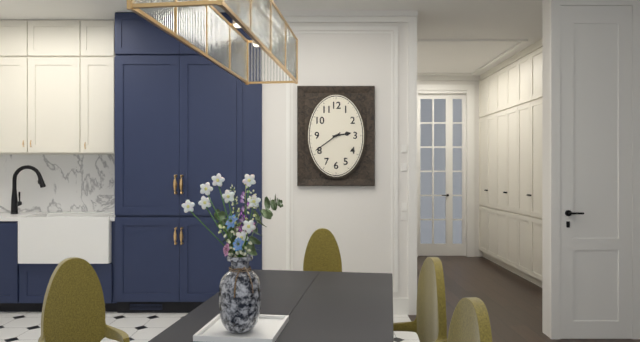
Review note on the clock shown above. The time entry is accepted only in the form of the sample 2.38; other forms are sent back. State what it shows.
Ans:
2.39
